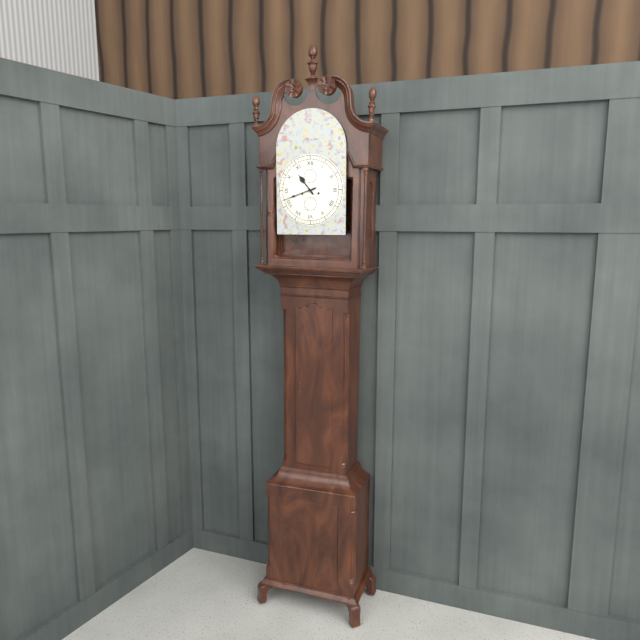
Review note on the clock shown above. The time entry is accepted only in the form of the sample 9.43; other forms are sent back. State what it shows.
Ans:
10.42
